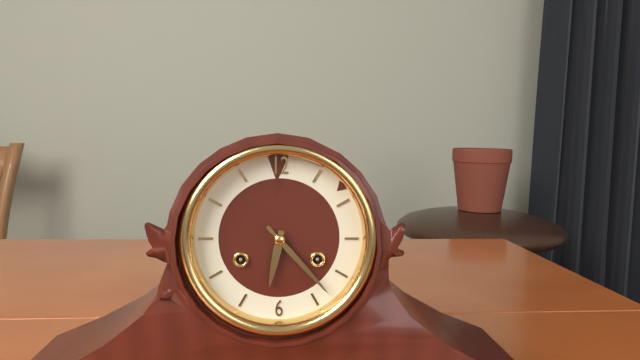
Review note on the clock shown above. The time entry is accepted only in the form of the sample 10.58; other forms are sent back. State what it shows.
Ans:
6.23
